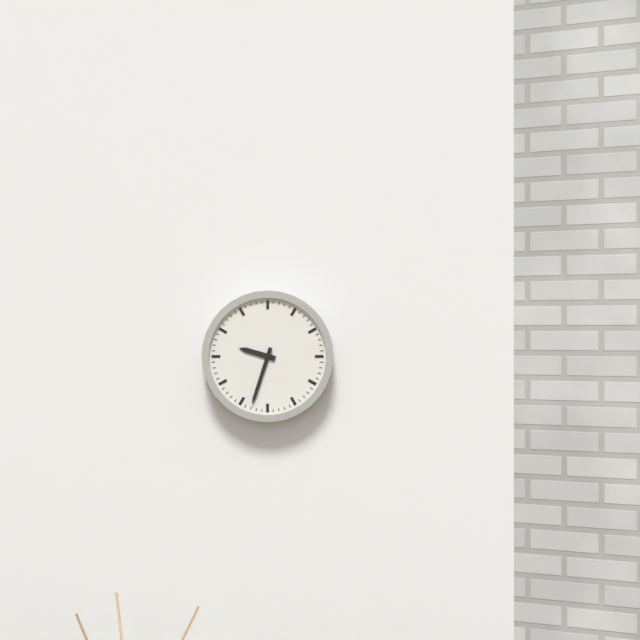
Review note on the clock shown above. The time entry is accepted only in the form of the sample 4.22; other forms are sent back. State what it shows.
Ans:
9.33
